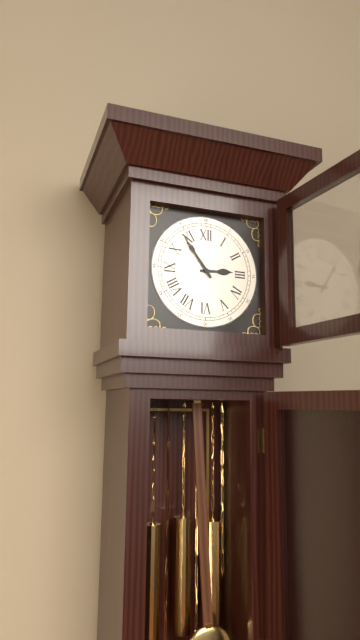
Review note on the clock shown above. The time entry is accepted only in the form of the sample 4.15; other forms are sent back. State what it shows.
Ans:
2.54
